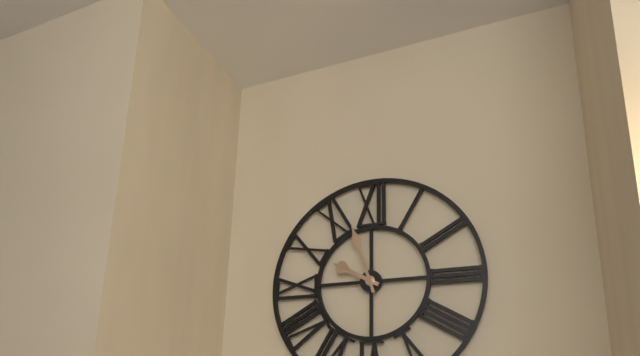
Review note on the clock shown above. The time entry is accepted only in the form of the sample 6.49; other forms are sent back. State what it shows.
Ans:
9.57
